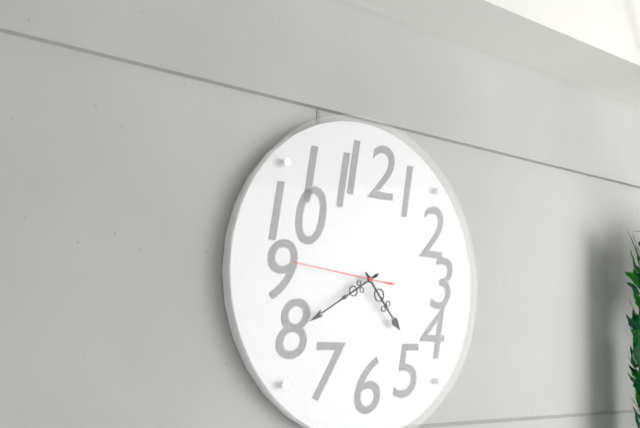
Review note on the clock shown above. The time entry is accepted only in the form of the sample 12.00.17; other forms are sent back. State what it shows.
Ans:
4.40.46
